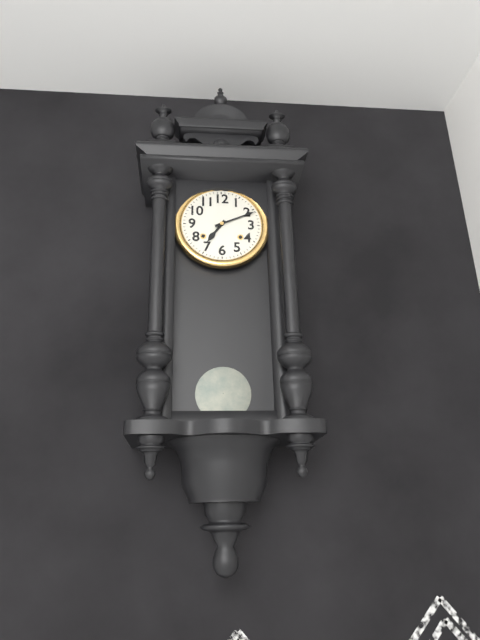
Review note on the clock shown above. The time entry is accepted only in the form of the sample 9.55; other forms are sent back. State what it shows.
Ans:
7.11
